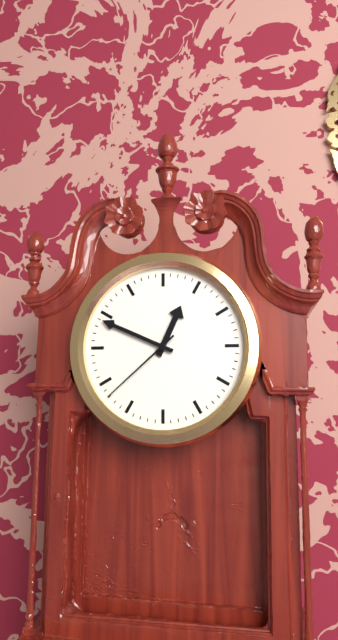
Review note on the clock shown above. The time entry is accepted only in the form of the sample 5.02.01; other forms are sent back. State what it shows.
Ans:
12.49.38
